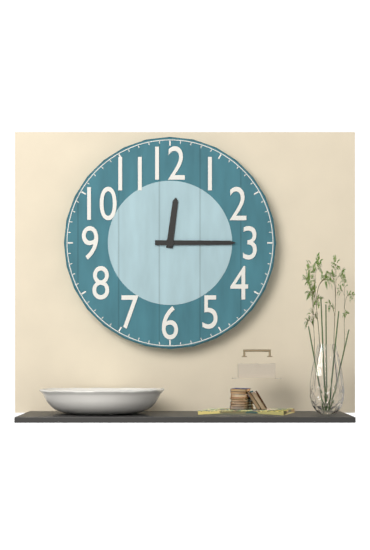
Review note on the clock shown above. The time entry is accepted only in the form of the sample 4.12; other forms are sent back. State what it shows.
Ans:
12.15
